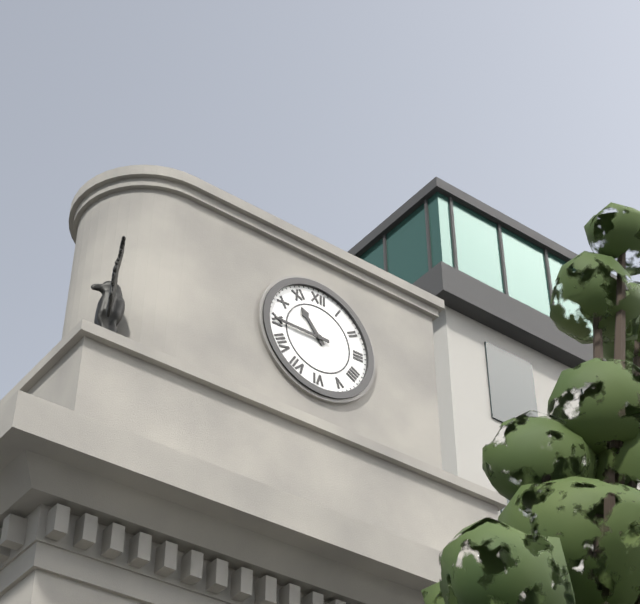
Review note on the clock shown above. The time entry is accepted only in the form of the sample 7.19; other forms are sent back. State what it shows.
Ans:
10.45
